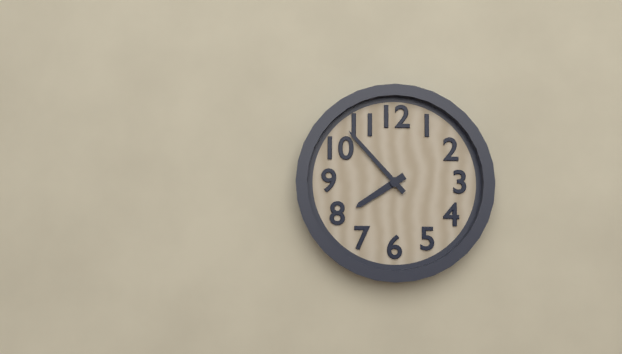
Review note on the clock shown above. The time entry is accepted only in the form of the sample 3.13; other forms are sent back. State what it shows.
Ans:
7.53
